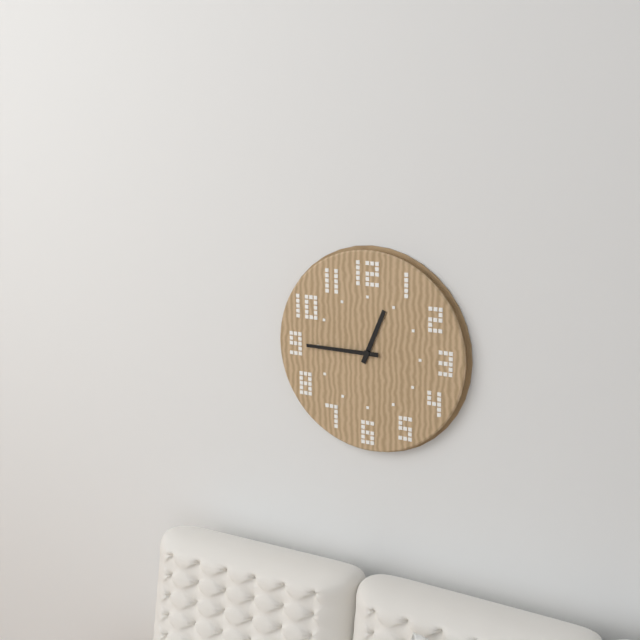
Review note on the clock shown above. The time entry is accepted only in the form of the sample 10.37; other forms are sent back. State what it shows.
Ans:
12.45
